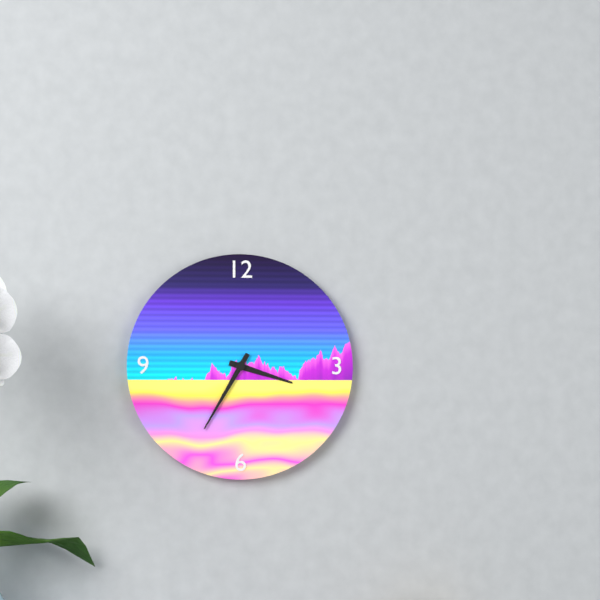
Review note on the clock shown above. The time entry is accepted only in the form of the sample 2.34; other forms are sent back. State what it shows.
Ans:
3.35
